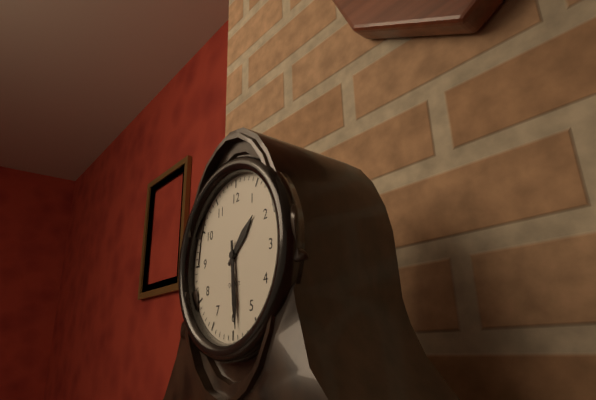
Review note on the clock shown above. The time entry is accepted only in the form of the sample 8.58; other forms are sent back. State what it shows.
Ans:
1.29
